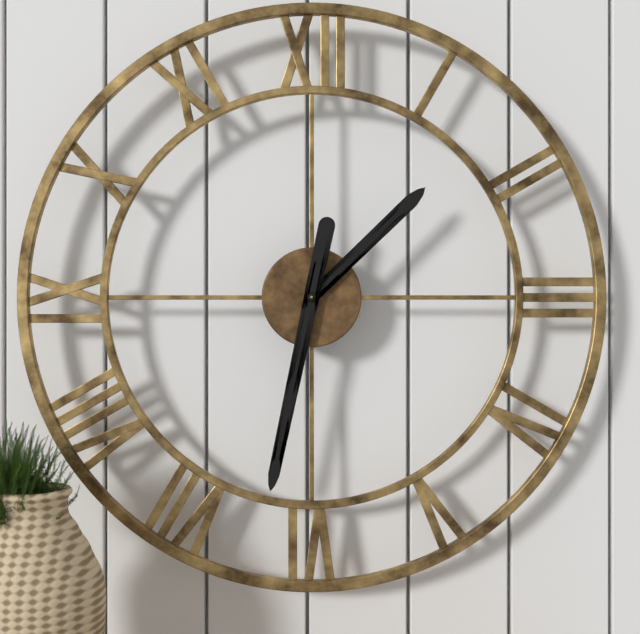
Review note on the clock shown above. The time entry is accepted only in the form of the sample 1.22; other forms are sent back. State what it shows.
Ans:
1.32
